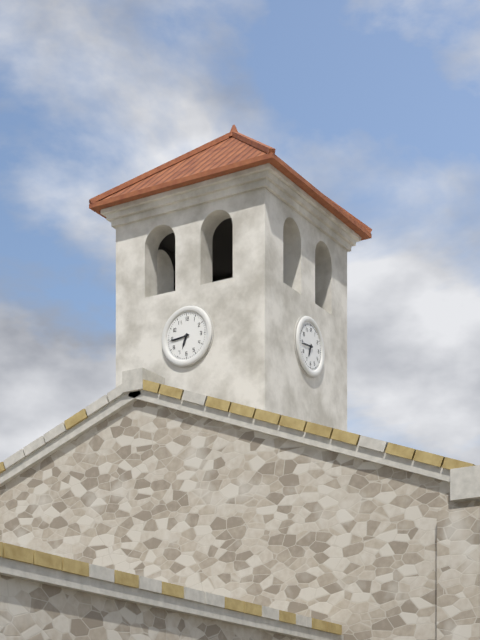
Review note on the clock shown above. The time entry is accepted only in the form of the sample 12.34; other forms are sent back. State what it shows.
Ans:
6.44
